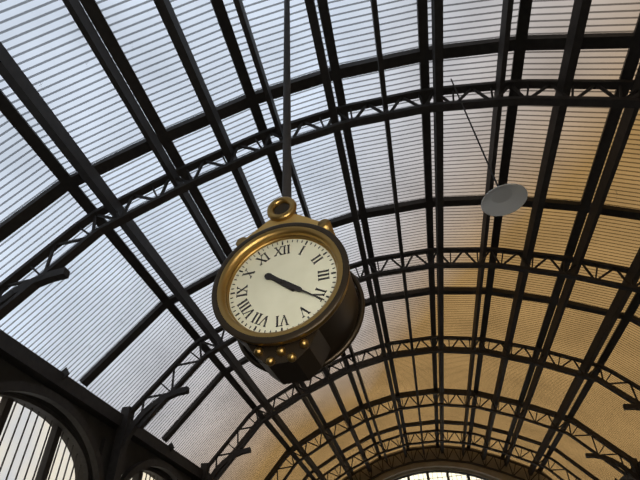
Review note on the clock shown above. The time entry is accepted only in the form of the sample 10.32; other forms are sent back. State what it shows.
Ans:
10.21
